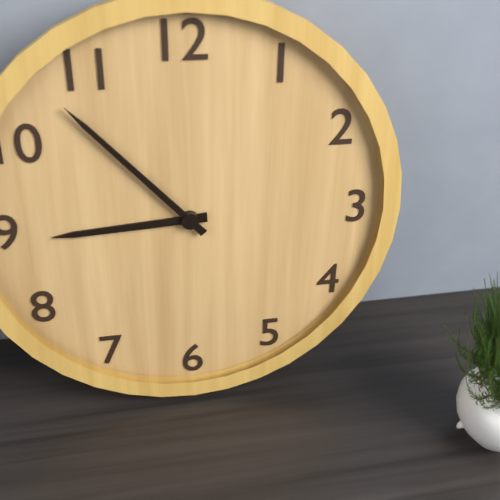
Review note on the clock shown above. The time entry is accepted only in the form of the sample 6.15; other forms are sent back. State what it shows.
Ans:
8.53
